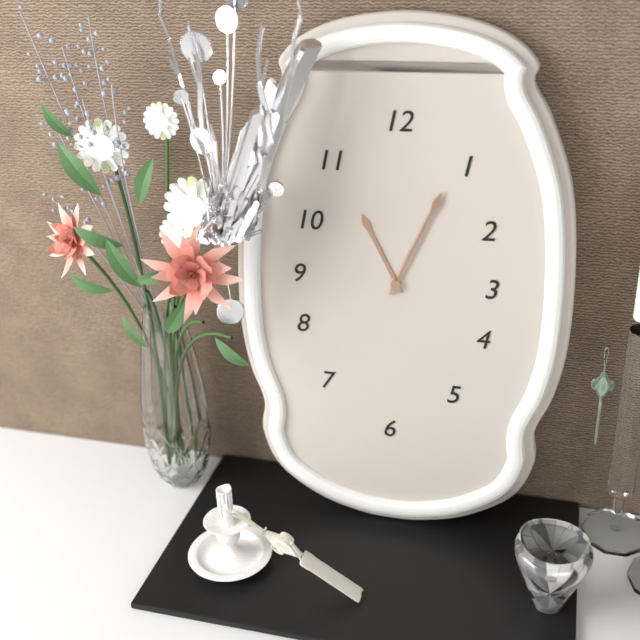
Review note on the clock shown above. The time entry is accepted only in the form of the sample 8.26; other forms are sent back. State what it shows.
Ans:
11.04
